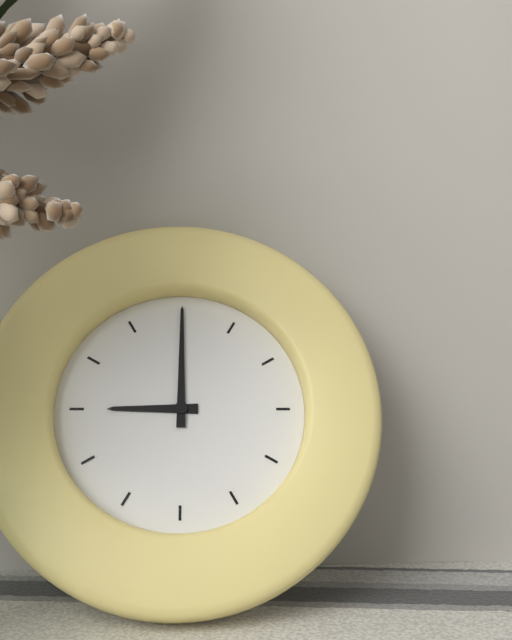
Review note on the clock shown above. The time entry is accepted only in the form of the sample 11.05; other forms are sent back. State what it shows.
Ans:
9.00
